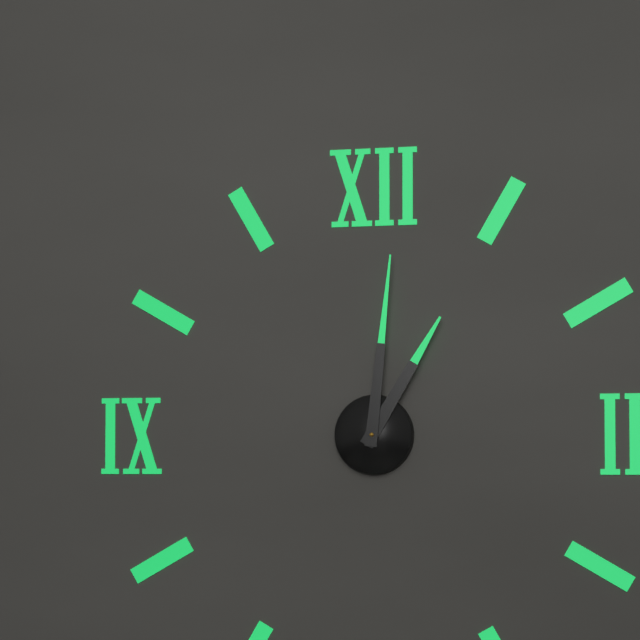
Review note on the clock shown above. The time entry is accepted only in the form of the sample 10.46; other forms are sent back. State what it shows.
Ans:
1.01
